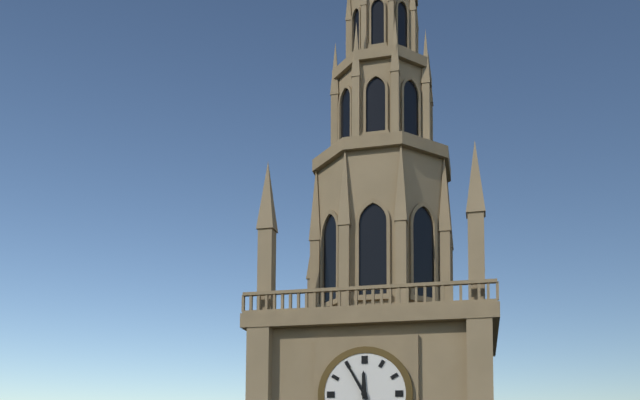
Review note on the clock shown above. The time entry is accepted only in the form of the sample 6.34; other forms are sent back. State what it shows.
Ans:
11.55
